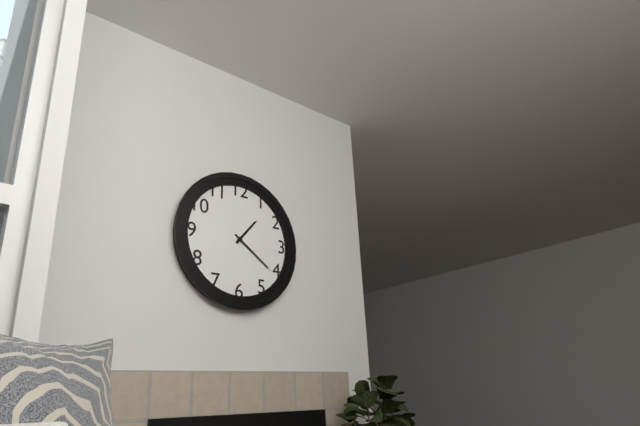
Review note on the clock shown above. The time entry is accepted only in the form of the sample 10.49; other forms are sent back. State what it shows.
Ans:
1.21
